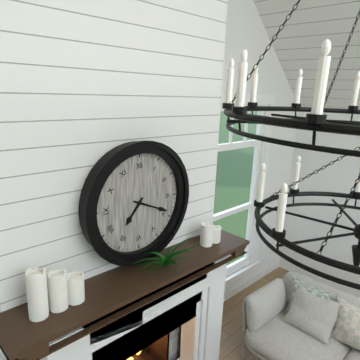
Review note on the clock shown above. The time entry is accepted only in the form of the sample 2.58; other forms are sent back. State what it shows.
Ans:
7.19
